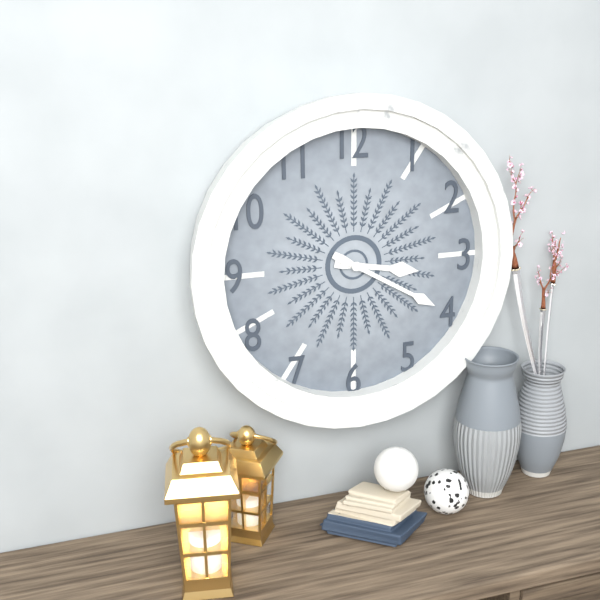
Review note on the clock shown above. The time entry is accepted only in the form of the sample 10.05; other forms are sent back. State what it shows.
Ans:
3.20
